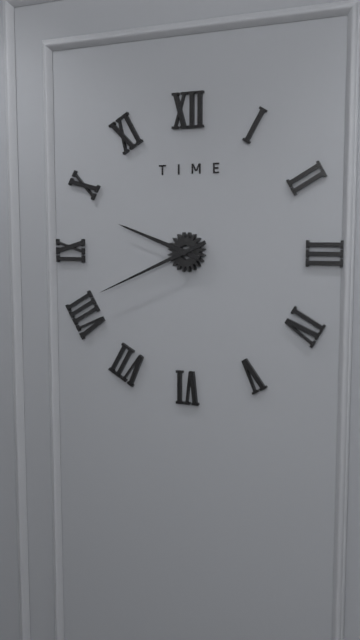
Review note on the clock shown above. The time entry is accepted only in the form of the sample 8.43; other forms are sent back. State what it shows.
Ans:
9.41
